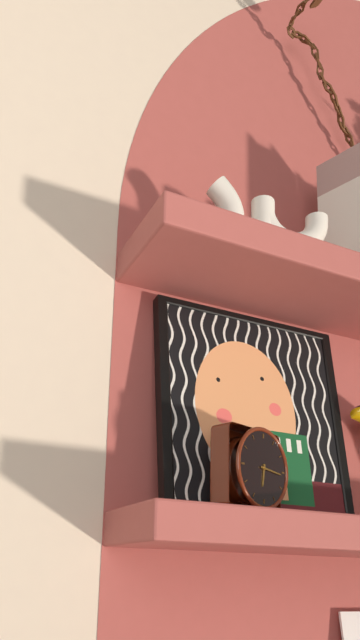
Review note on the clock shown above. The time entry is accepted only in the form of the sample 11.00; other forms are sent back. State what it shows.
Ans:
6.16
